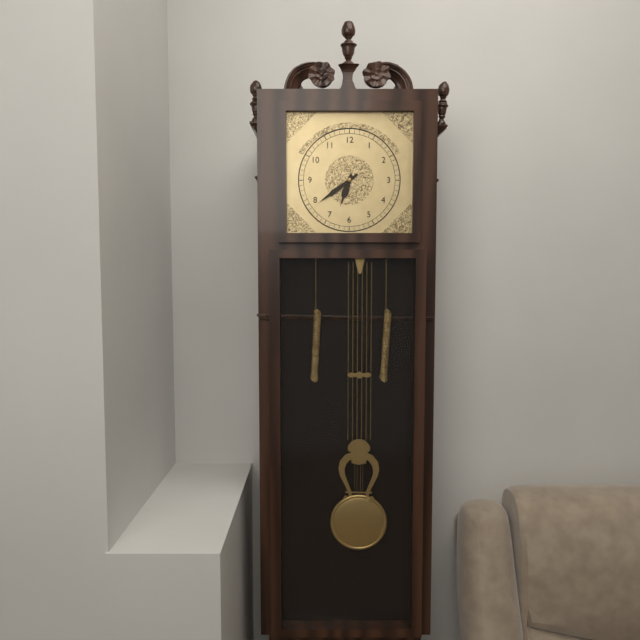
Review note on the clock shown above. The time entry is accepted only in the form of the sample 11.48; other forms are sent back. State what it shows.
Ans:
6.39
